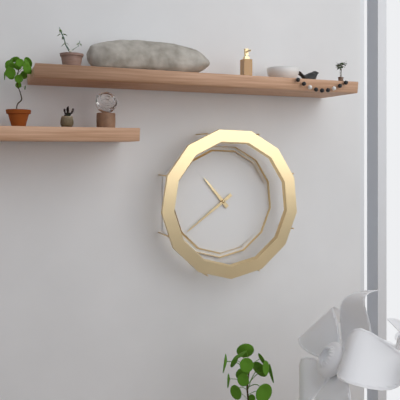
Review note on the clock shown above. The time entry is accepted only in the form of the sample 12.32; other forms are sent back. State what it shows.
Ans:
10.39
